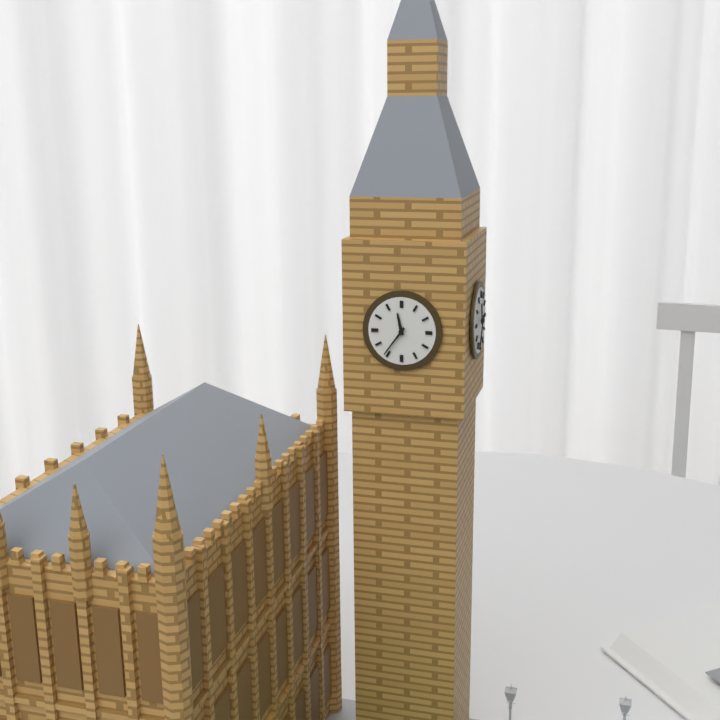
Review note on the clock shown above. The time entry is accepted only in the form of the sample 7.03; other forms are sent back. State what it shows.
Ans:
11.36
